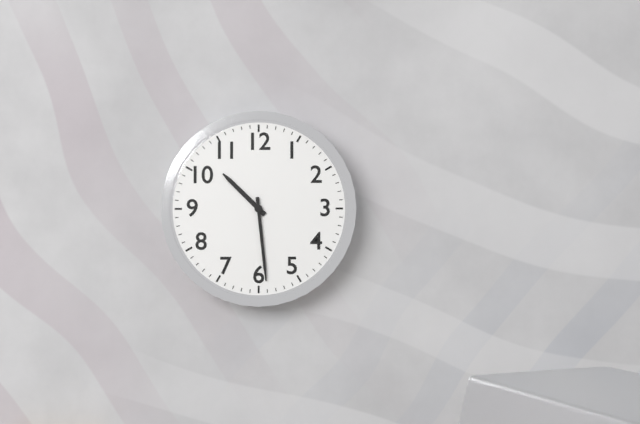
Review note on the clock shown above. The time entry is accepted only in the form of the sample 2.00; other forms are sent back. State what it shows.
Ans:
10.29
